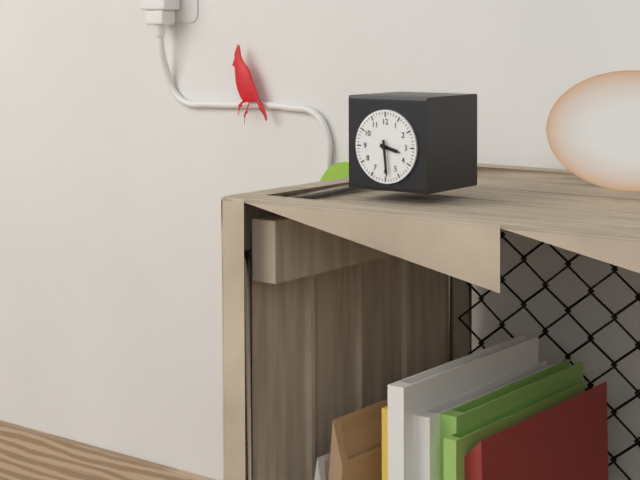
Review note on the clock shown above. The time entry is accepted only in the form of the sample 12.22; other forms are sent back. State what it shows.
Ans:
3.29
